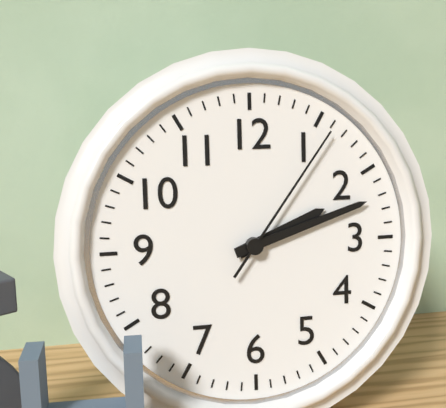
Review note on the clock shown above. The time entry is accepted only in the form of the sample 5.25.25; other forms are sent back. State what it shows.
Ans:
2.12.06
